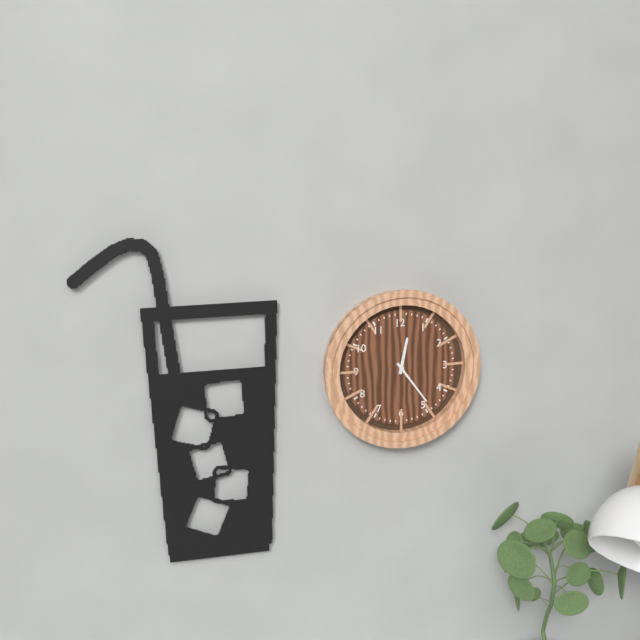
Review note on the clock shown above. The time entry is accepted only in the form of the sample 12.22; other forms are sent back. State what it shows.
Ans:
12.24
